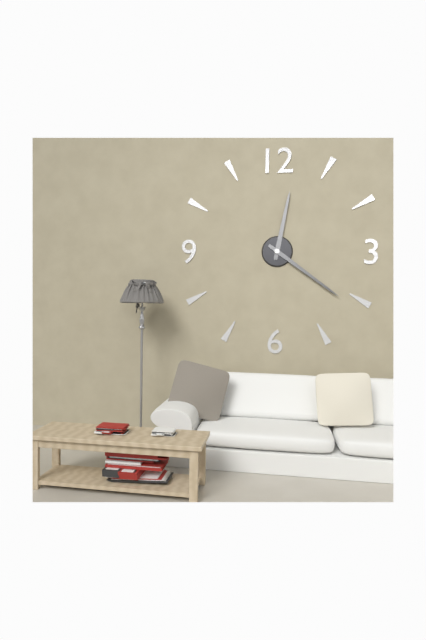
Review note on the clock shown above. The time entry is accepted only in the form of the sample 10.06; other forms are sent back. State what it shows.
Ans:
12.21
